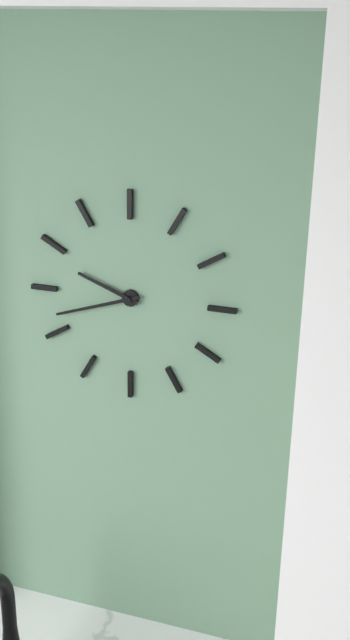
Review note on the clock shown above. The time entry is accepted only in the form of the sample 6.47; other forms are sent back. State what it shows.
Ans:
9.42
